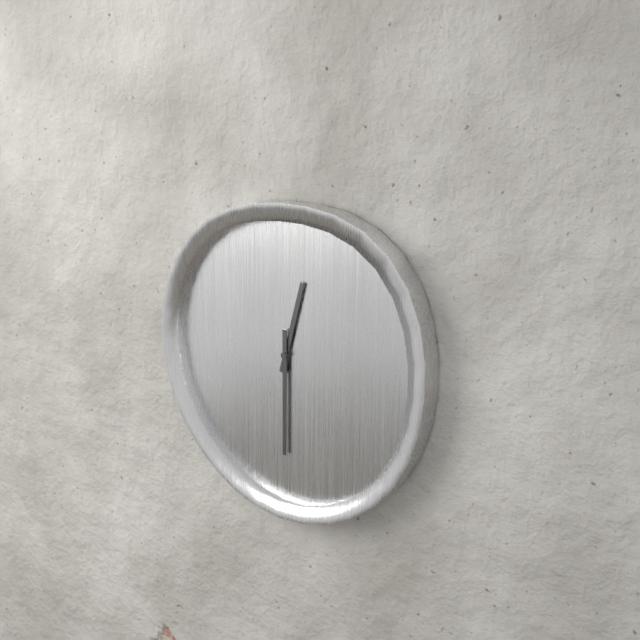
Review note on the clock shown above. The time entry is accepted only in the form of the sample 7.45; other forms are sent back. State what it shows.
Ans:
12.30
